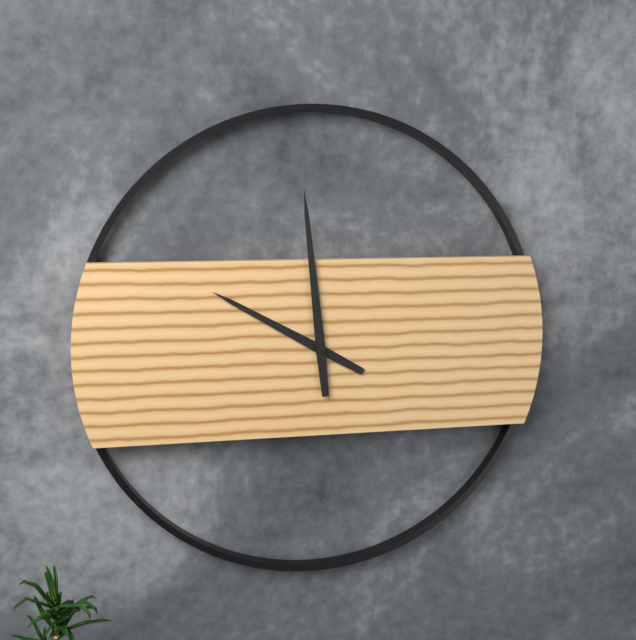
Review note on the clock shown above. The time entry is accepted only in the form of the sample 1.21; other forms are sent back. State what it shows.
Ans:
9.59
